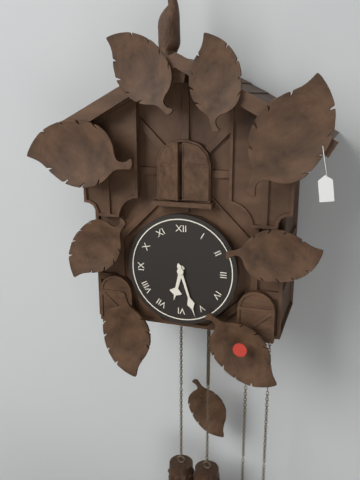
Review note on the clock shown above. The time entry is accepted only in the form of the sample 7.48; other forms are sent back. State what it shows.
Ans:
6.27
